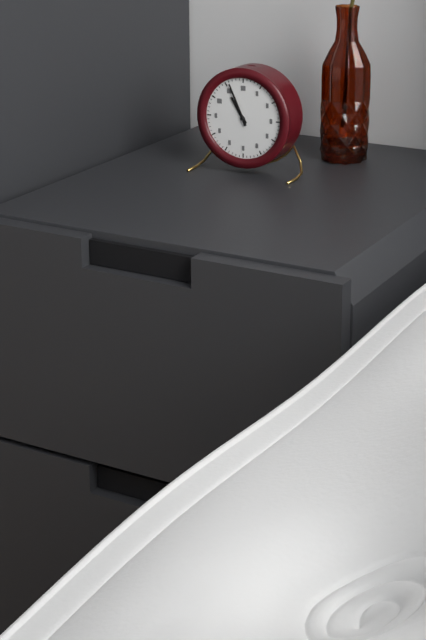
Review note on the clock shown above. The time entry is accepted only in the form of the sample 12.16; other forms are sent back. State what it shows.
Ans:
10.56
